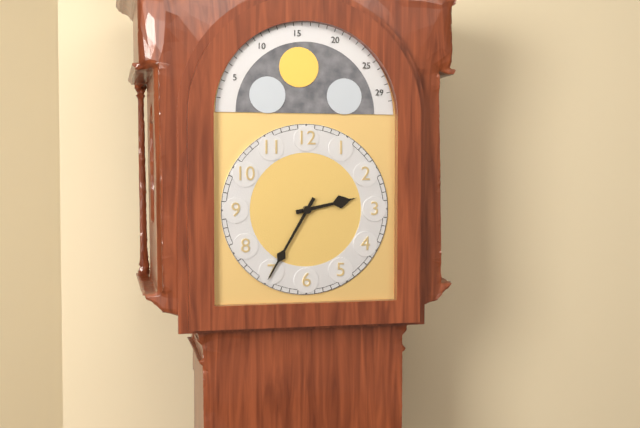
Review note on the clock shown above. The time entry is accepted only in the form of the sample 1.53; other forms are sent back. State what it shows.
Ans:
2.35
